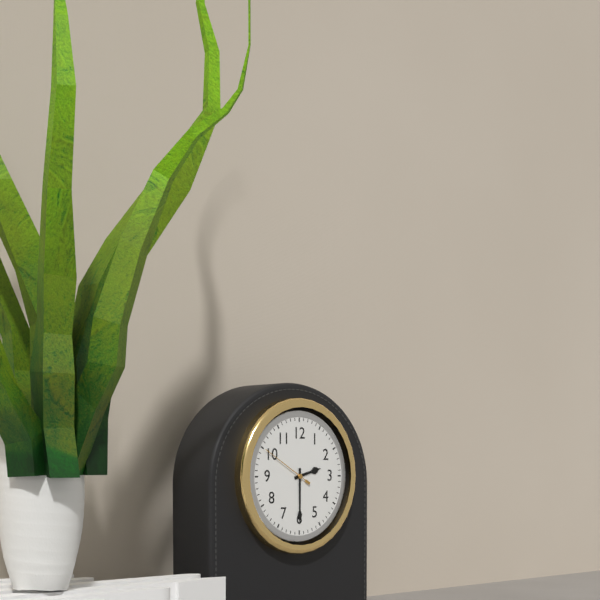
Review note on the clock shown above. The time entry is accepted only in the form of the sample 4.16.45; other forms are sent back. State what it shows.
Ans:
2.30.50
